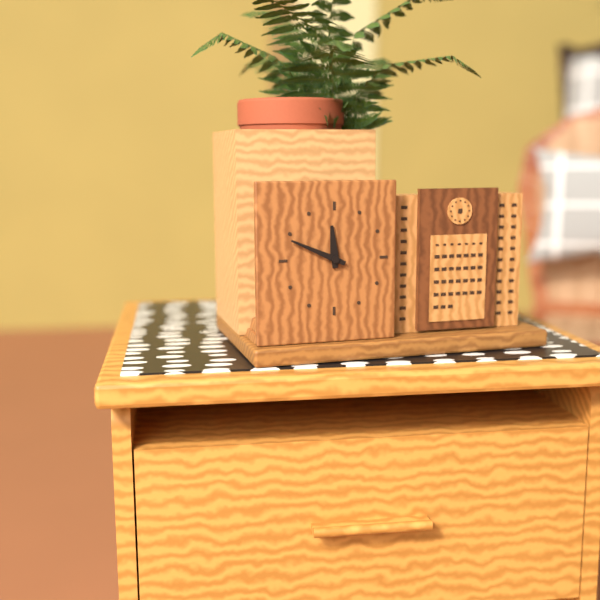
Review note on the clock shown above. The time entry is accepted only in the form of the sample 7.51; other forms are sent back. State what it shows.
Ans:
11.49
